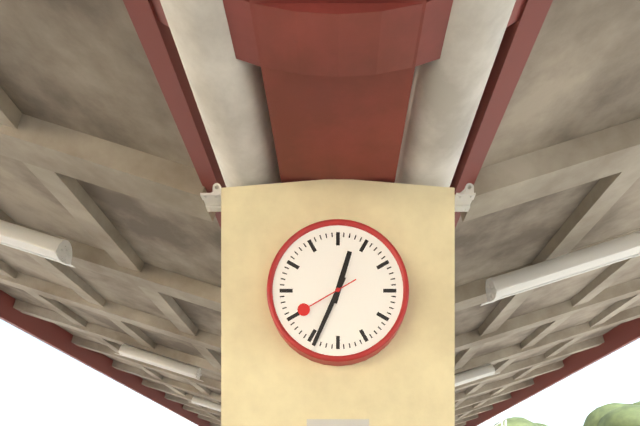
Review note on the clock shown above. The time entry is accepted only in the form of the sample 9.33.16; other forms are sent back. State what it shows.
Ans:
12.34.40
